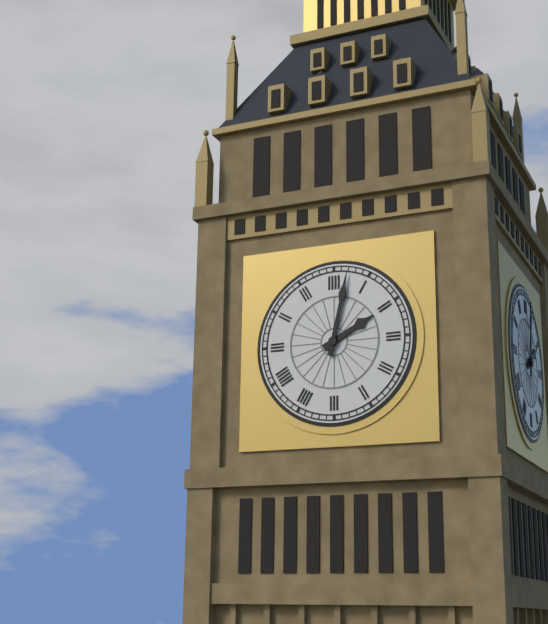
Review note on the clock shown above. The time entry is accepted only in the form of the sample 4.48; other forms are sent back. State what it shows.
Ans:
2.02
